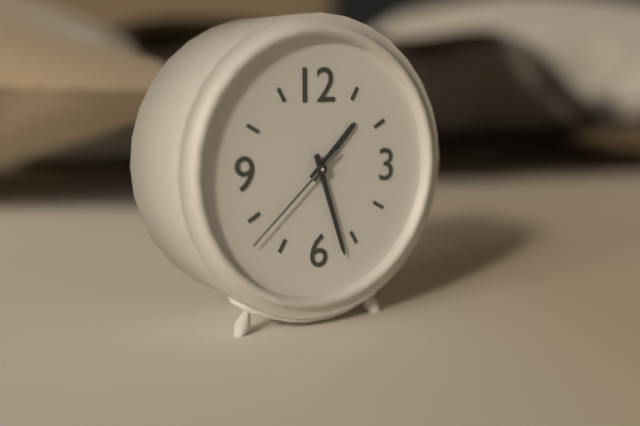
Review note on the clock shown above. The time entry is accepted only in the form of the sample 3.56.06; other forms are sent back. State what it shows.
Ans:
1.27.38
